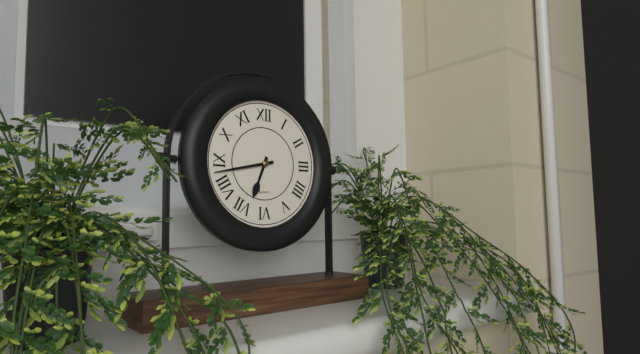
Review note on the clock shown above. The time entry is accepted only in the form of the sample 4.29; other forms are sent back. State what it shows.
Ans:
6.43
